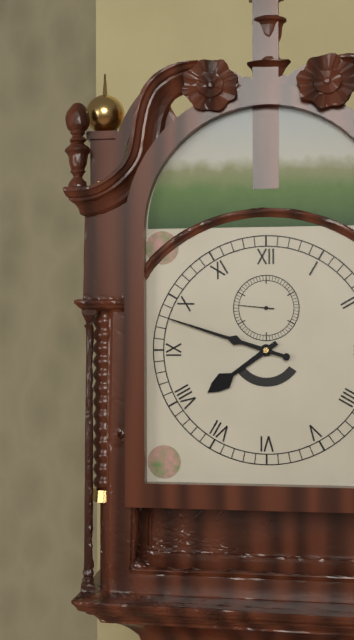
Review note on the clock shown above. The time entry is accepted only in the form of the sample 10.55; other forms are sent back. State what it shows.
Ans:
7.48
